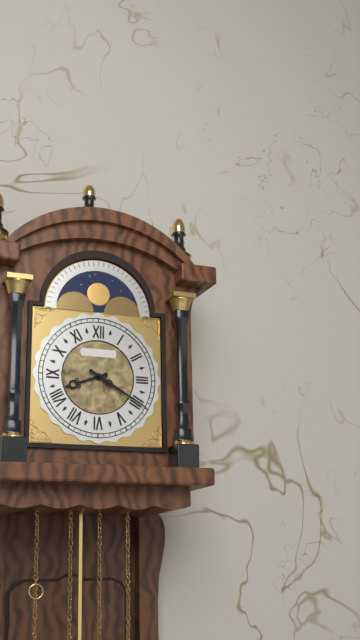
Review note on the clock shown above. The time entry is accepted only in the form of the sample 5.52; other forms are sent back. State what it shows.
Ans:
8.20
